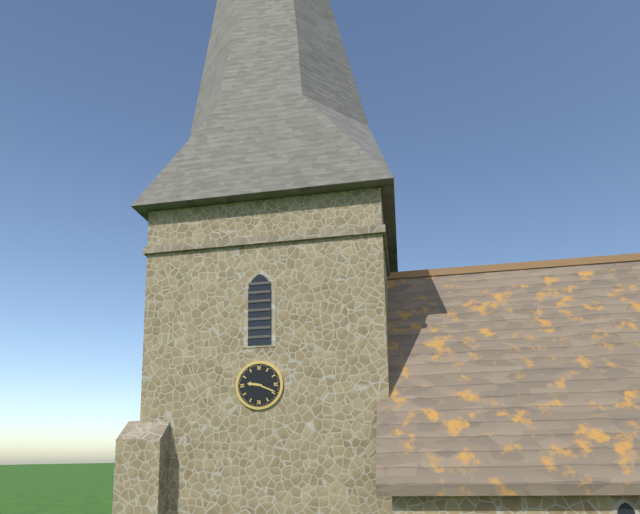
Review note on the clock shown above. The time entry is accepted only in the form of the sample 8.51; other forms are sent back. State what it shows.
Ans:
9.19
